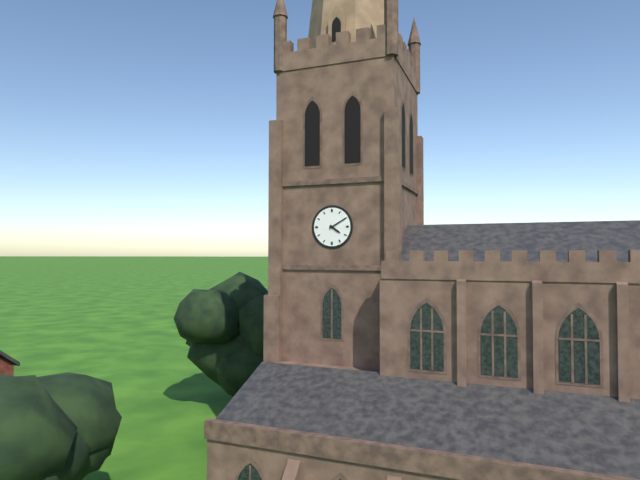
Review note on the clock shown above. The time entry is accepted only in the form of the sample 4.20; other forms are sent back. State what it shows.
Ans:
4.10
